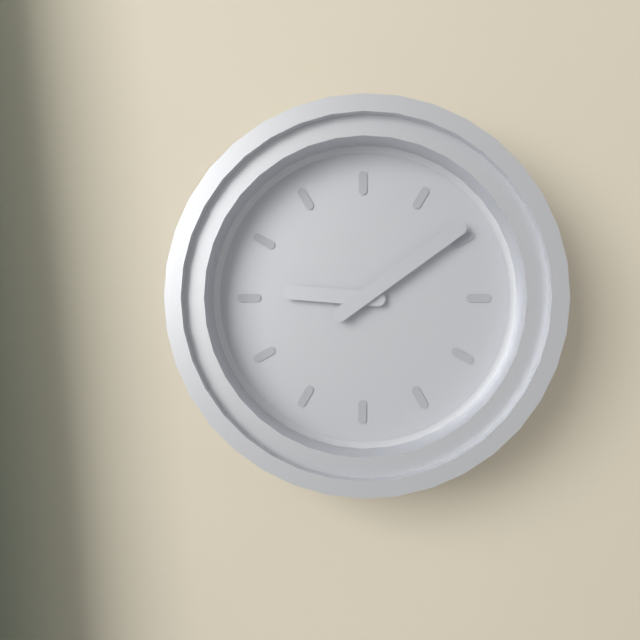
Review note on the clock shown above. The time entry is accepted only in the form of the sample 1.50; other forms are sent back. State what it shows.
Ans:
9.09
